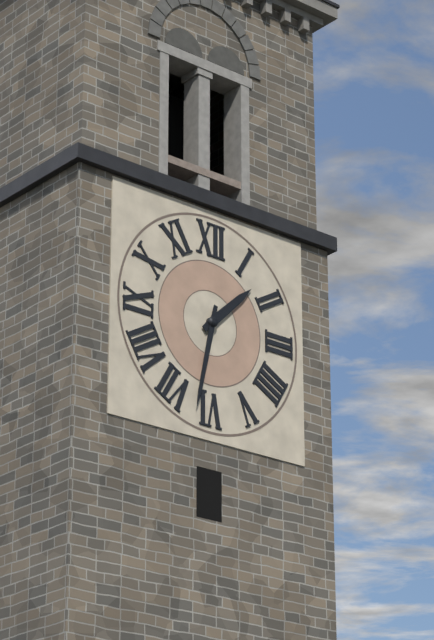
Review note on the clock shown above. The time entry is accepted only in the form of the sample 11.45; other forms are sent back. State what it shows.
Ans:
1.32
